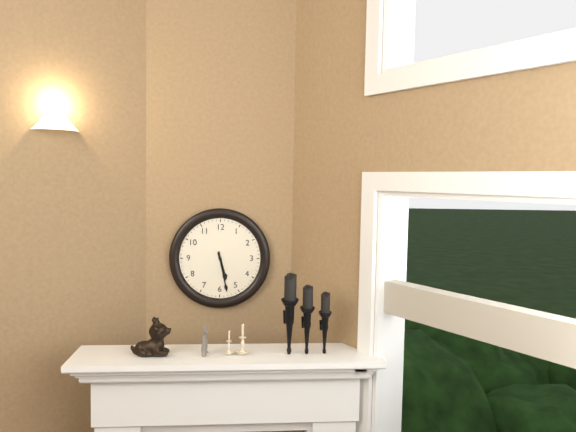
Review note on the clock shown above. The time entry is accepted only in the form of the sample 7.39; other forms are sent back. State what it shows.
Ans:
5.28
